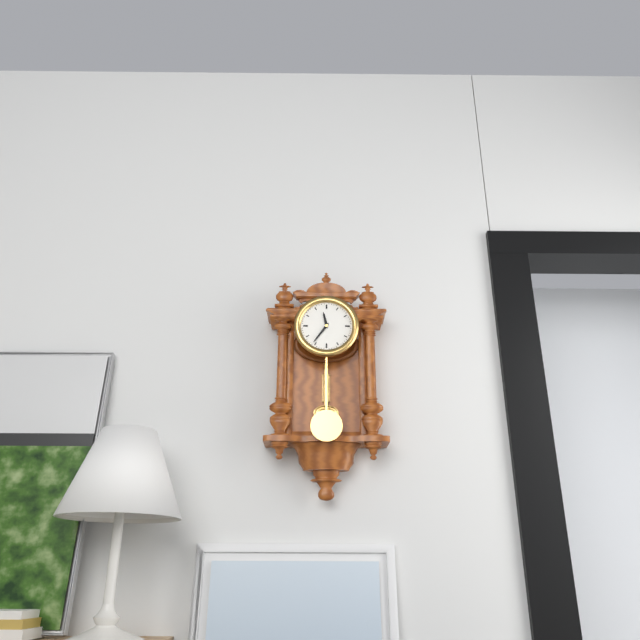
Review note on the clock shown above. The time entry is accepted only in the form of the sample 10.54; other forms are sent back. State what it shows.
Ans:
11.36
